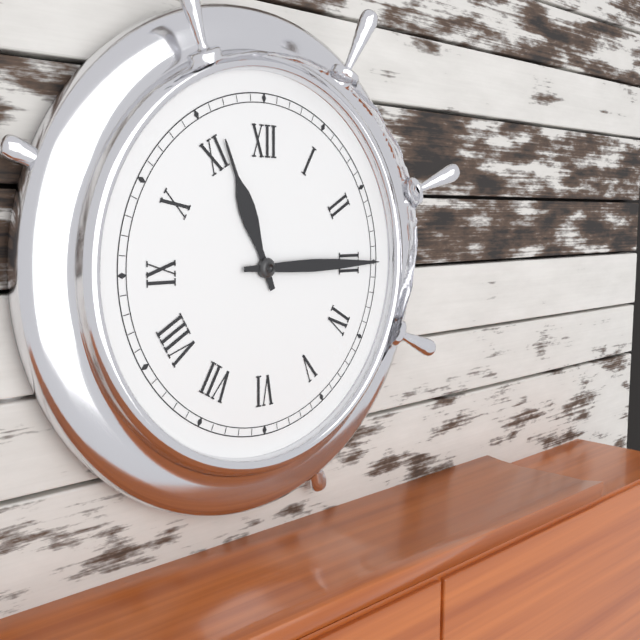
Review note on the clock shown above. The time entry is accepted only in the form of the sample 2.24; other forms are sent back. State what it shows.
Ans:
11.15
